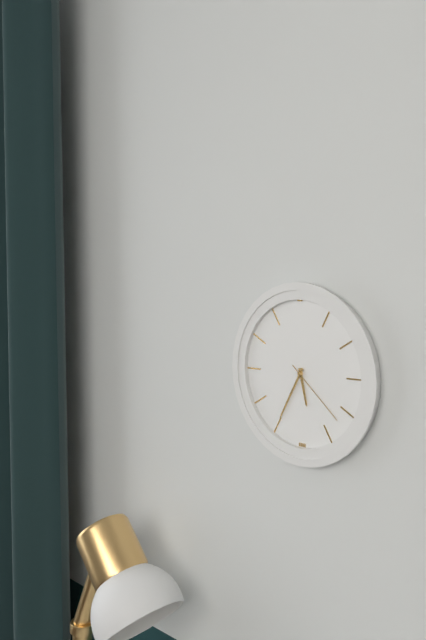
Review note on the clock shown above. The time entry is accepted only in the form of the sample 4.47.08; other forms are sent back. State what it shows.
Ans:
5.35.22
